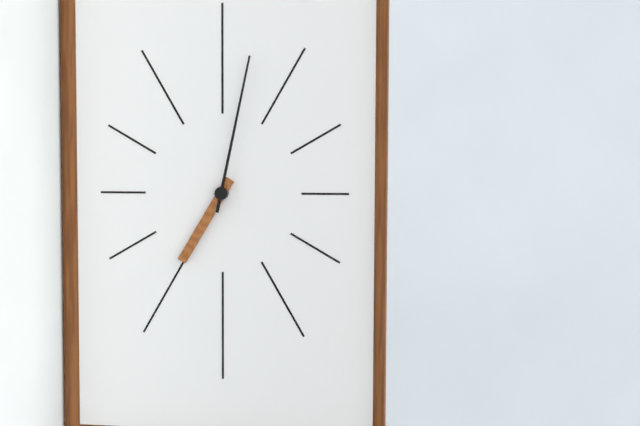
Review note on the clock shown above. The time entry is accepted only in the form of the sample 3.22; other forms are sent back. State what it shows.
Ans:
7.02
